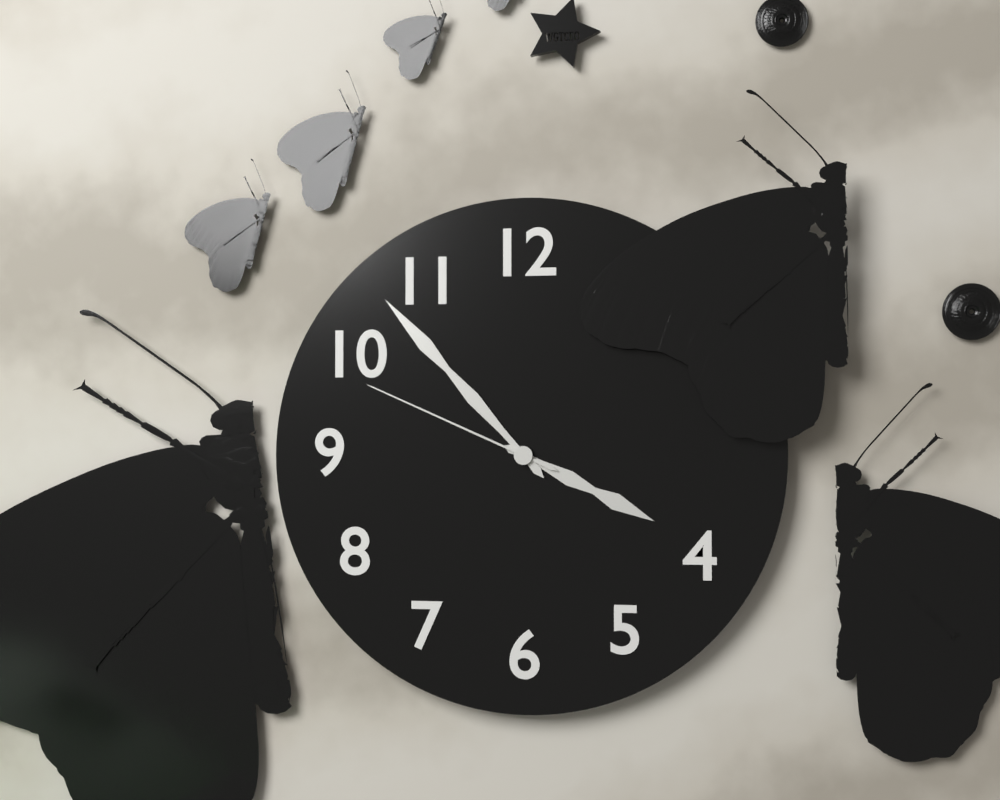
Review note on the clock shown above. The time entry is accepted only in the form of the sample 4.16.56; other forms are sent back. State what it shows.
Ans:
3.53.49
